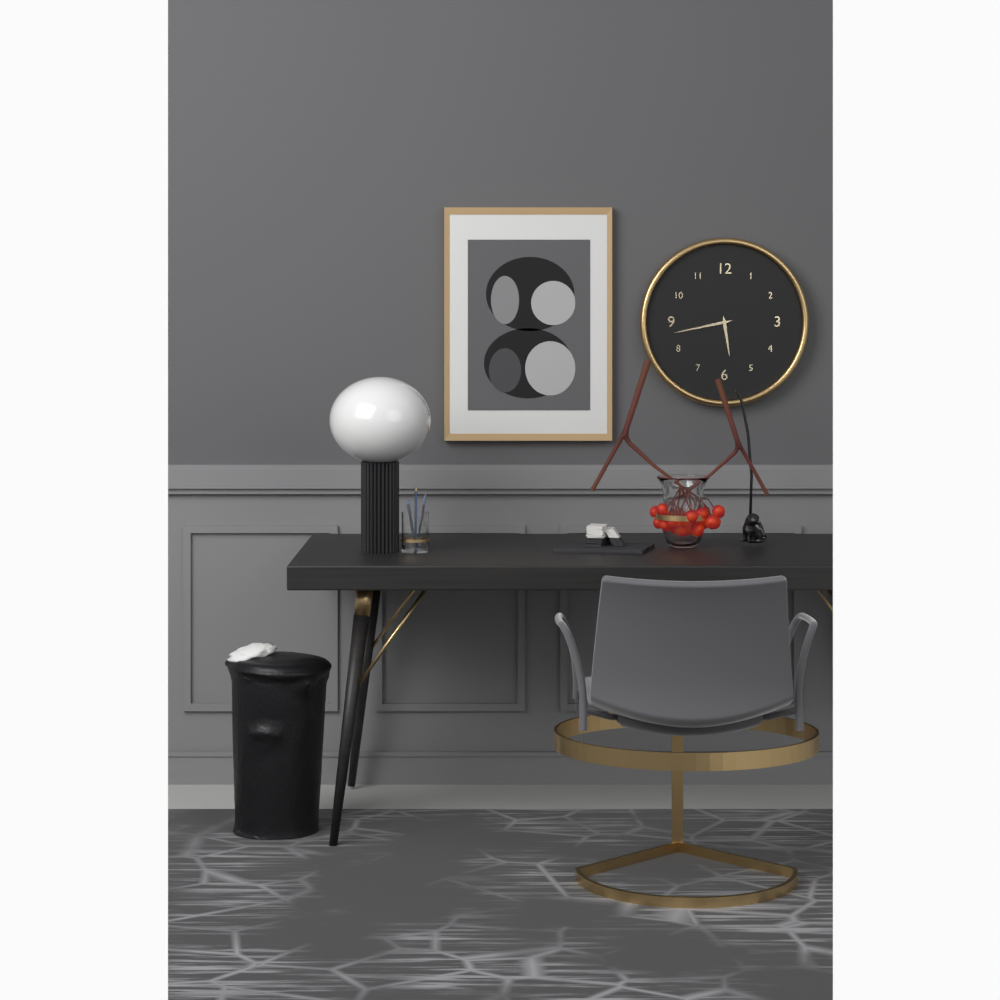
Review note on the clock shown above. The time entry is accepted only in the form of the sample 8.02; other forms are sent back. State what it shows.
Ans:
5.43
